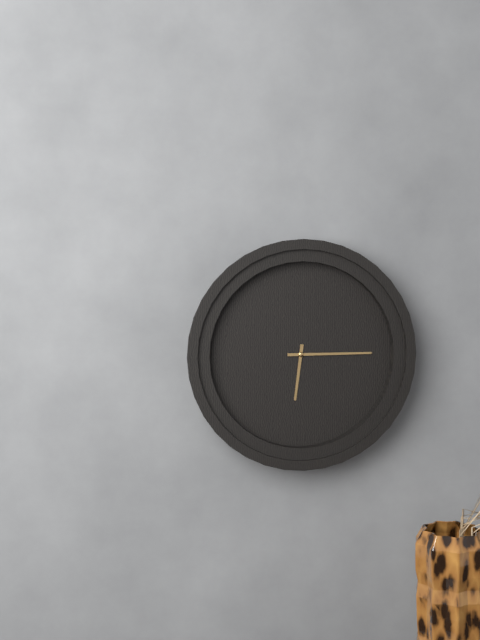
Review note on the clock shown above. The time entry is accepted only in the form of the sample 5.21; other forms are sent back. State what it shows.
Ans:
6.15
